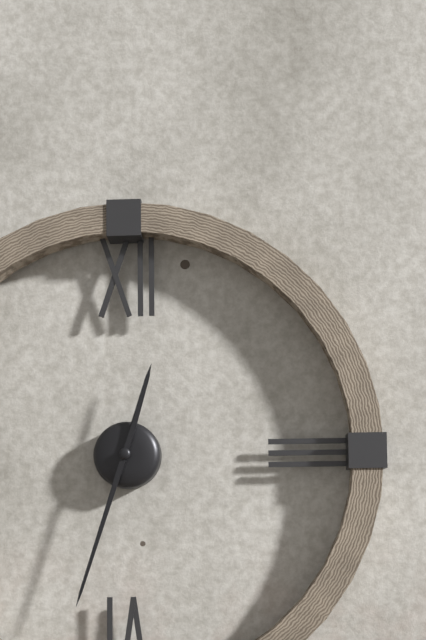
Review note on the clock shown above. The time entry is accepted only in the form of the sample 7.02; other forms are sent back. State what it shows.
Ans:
12.33
